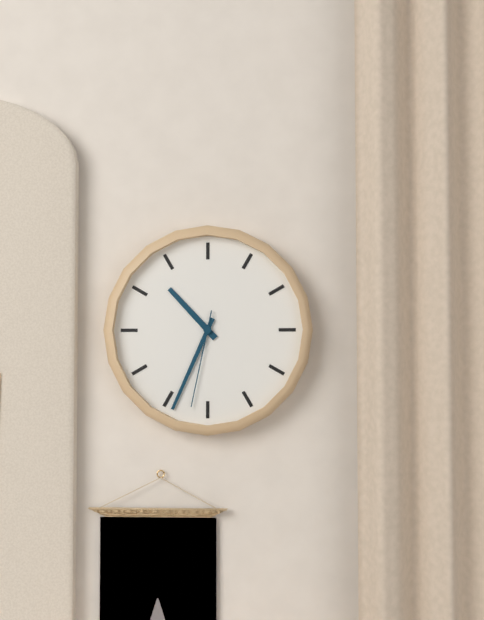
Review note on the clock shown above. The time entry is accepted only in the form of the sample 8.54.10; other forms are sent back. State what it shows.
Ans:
10.34.32
